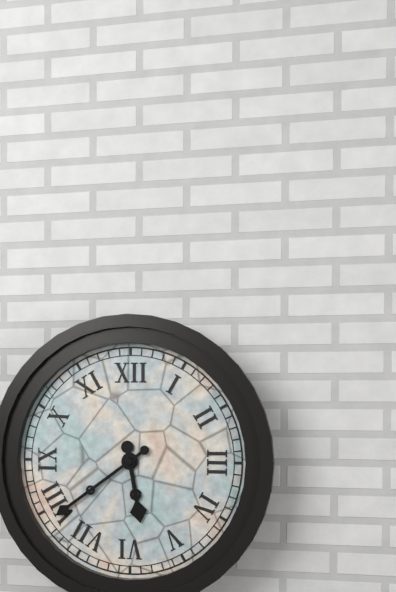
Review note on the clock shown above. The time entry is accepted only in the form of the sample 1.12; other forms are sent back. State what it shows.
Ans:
5.39
